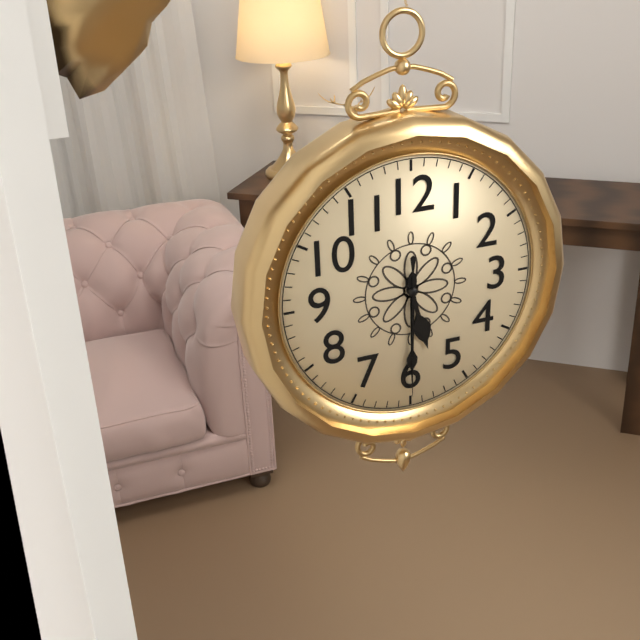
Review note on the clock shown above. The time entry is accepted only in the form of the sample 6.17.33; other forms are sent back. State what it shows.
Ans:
5.30.30
